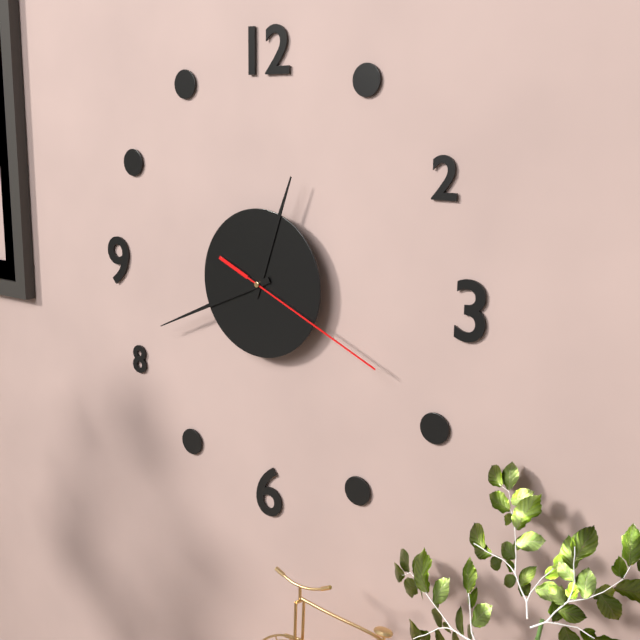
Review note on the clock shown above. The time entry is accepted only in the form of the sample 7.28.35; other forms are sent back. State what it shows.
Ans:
12.41.19
